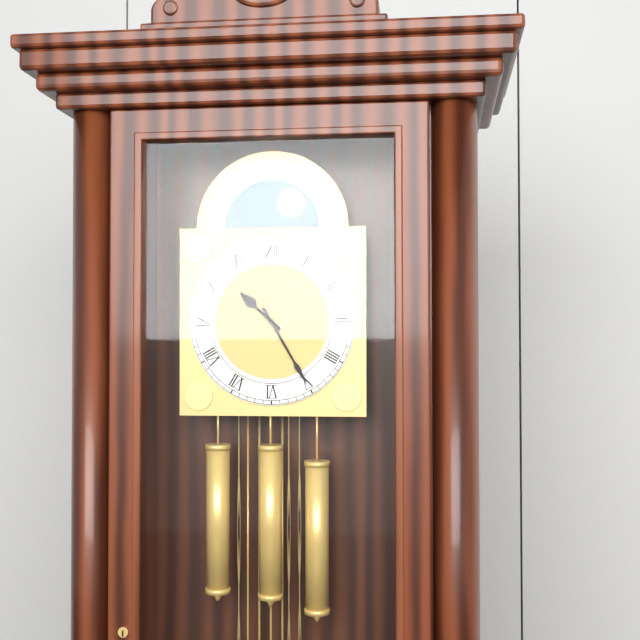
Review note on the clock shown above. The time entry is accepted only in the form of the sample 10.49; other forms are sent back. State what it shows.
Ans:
10.25
